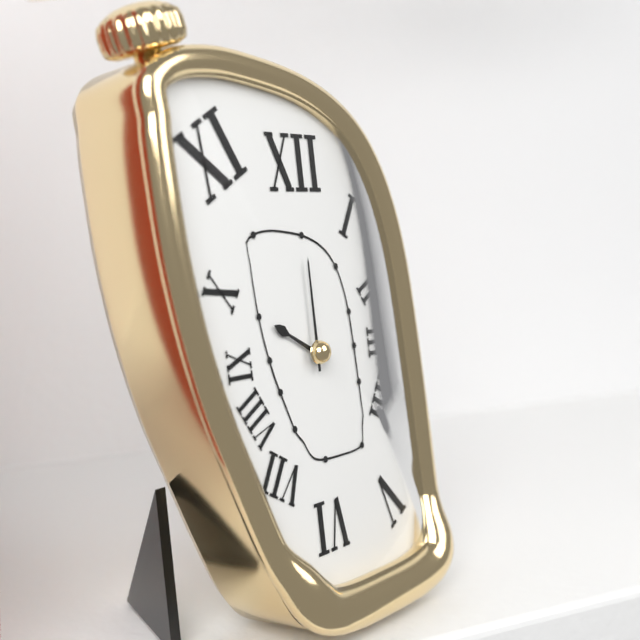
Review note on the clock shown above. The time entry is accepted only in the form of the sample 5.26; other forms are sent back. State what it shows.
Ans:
10.00
